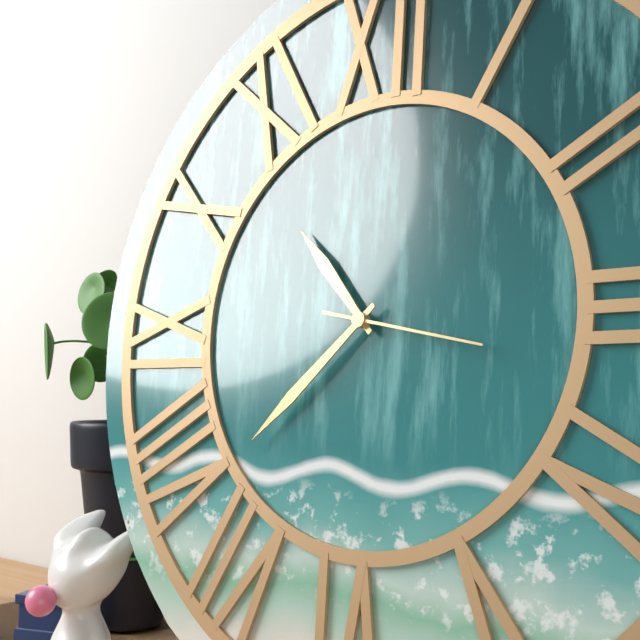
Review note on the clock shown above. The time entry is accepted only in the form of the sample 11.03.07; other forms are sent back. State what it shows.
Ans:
10.38.17
